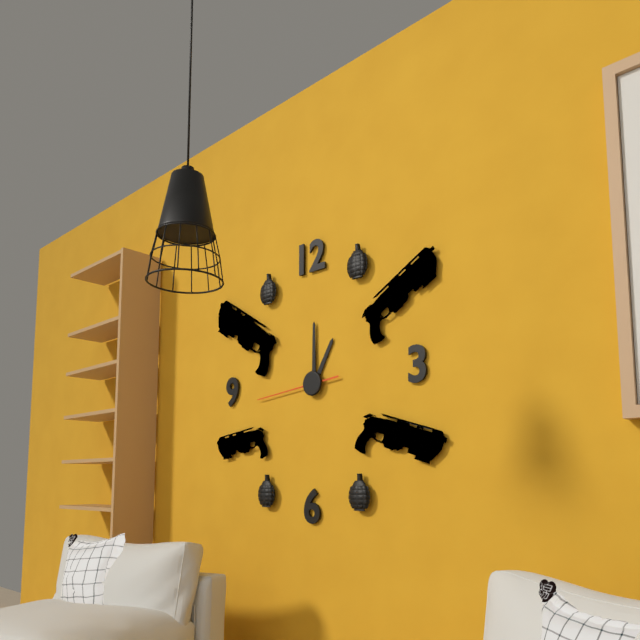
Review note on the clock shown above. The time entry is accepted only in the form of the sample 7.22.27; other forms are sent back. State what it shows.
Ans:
1.00.44
